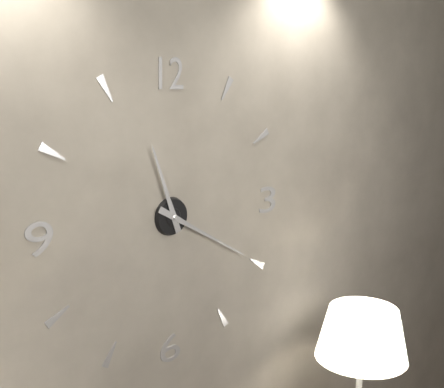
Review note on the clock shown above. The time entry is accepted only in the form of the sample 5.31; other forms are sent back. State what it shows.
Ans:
11.20
